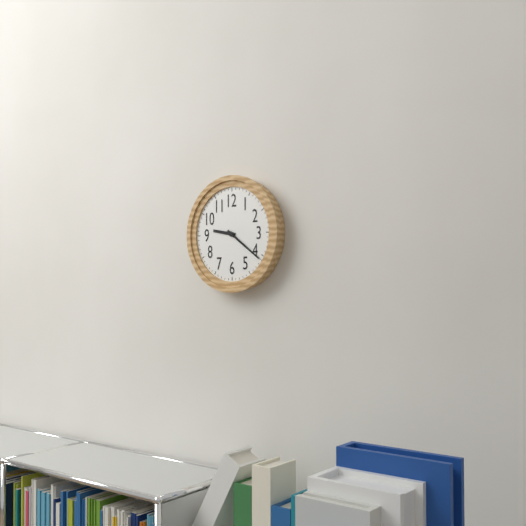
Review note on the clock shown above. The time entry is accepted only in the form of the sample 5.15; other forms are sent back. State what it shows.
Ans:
9.21
